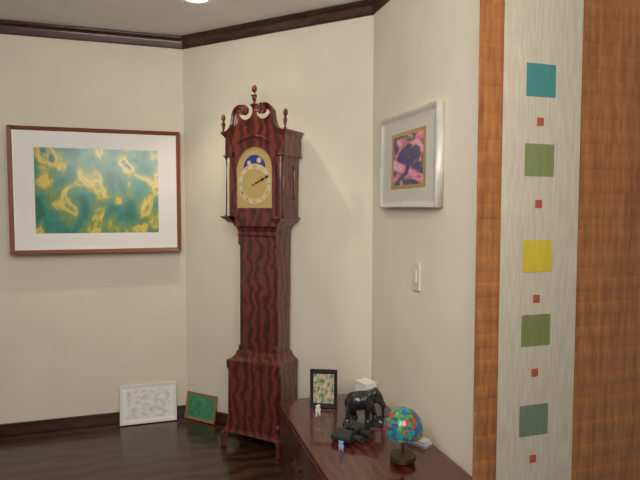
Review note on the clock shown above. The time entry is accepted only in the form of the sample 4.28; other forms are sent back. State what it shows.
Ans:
2.11
